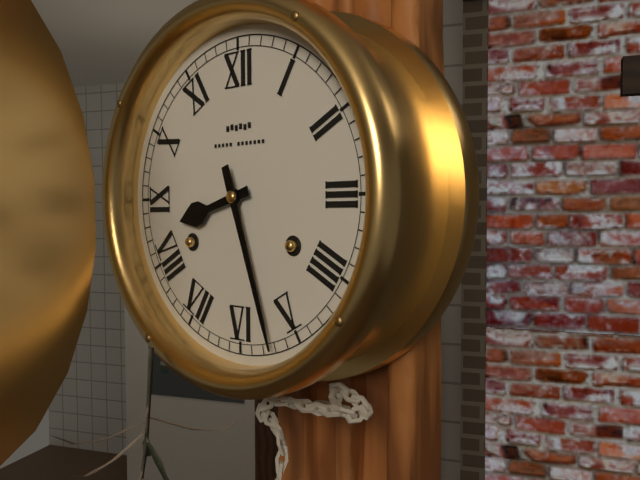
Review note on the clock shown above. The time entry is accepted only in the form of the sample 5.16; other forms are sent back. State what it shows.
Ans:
8.27
